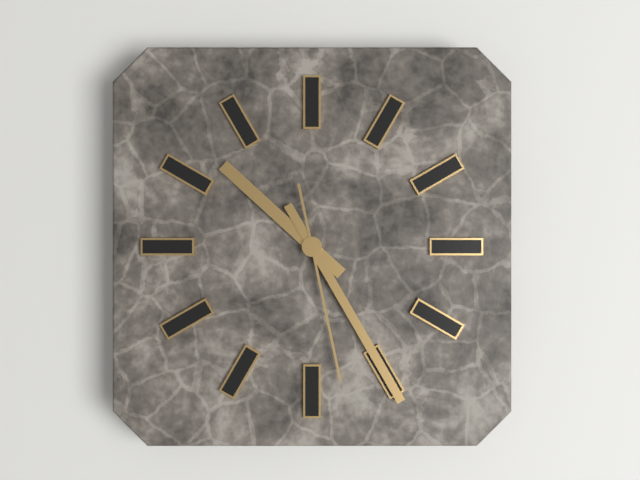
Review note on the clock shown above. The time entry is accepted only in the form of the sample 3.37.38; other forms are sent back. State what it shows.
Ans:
10.25.28
